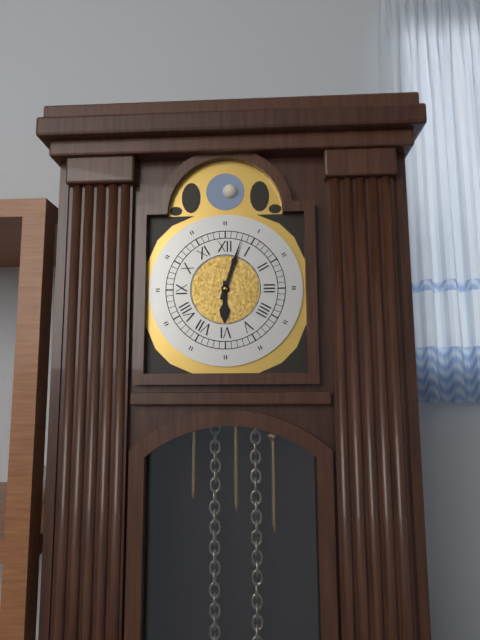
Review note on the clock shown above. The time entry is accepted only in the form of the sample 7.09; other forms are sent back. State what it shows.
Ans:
6.03
